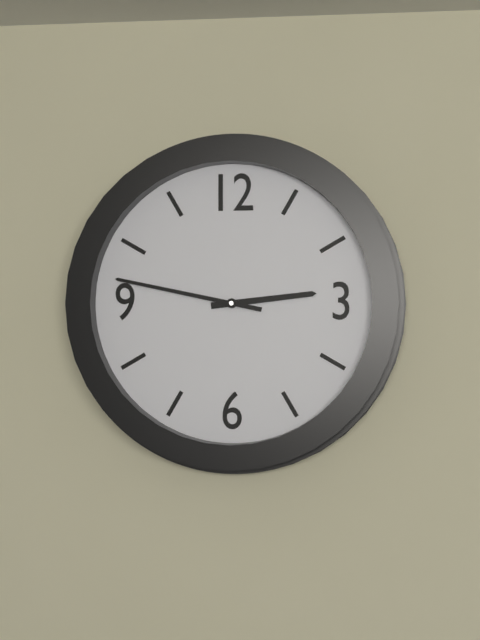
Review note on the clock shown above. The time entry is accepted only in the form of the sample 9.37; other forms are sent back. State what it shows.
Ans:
2.47
